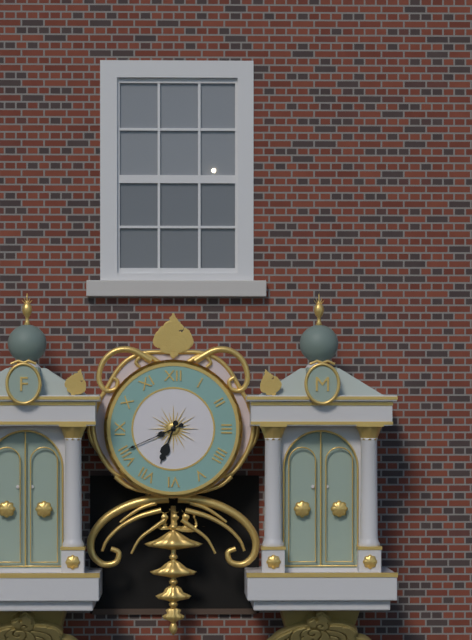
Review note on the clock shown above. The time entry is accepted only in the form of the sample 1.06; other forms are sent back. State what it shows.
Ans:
6.41
